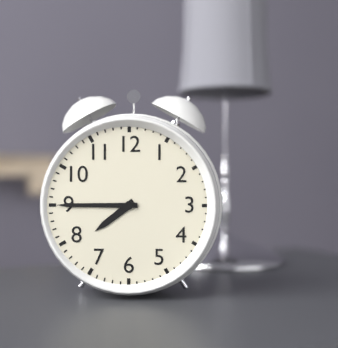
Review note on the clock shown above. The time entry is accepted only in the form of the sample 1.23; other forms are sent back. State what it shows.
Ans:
7.45
